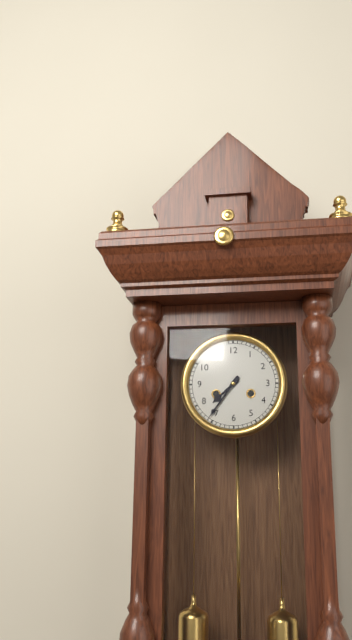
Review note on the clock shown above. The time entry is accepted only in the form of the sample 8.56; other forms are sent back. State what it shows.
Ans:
7.36
